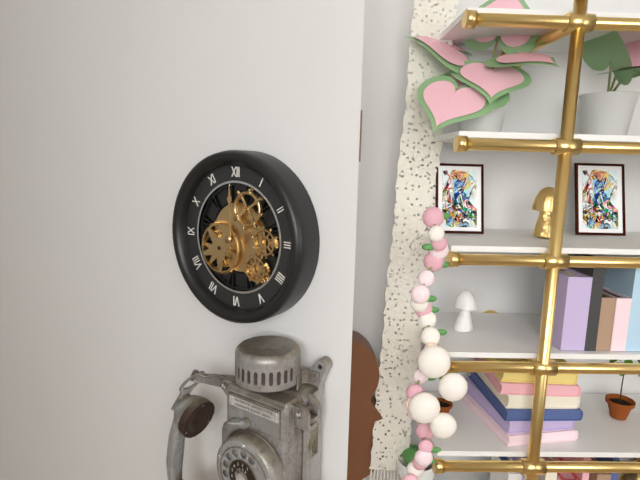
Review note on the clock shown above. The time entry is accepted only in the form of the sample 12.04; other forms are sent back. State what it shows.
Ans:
7.00
